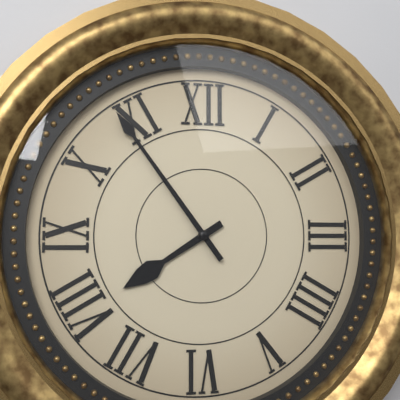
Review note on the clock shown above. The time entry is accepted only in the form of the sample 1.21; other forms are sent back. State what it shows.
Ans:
7.54
